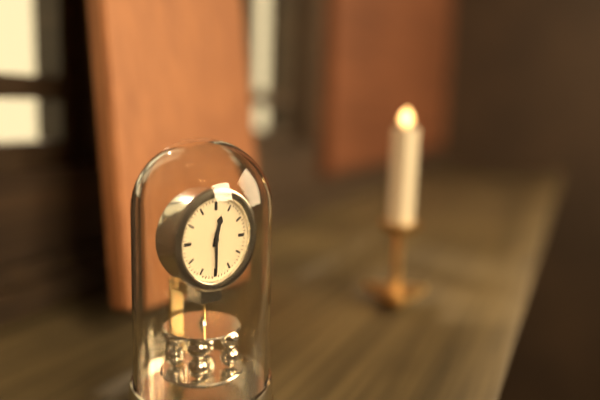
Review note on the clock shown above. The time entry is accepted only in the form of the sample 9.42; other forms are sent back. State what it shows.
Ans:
12.30
